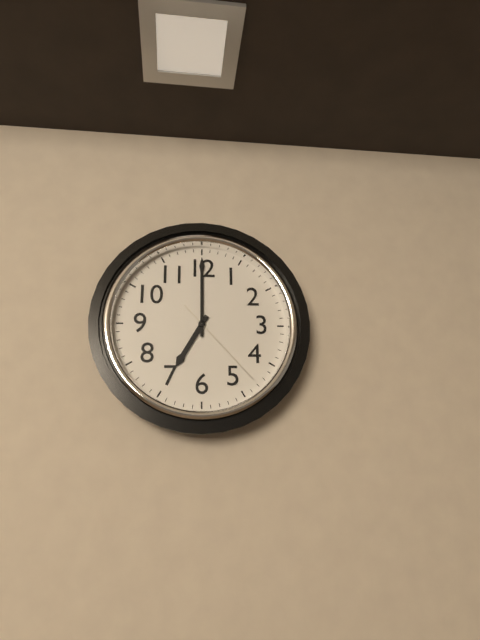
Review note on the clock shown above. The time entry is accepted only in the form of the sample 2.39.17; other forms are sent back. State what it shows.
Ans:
7.00.23
